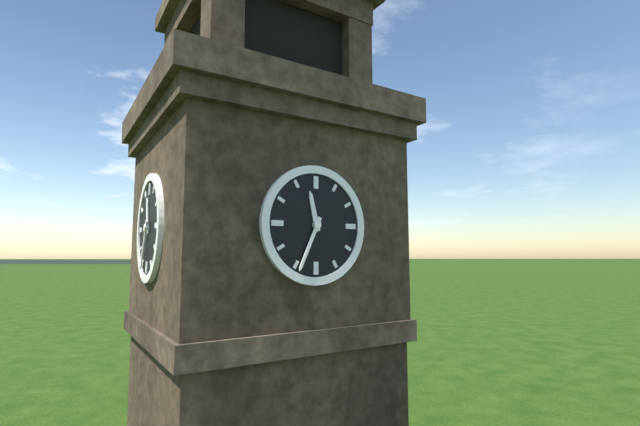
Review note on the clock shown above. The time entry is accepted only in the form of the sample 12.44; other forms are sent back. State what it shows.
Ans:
11.34
